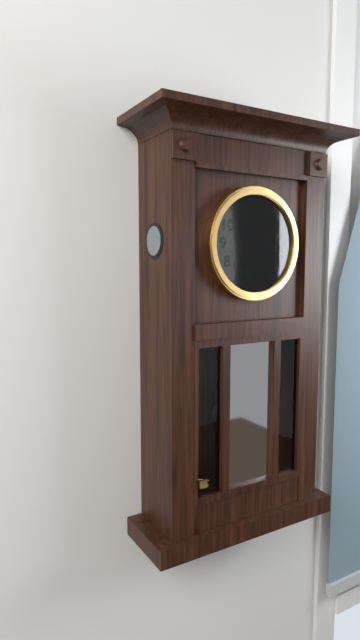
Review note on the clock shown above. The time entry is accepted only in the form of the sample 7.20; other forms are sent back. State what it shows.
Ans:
6.13
